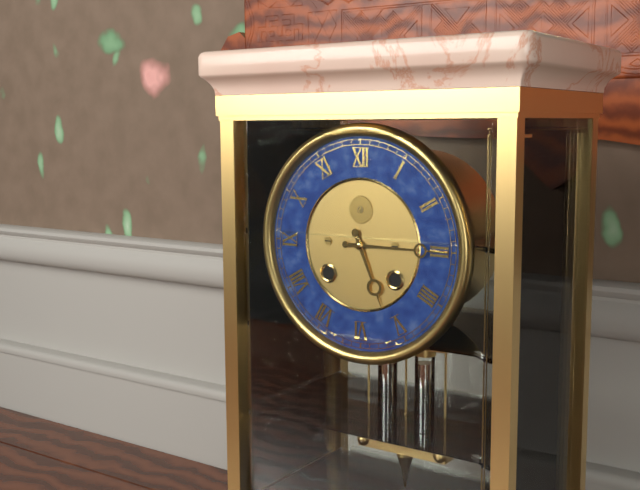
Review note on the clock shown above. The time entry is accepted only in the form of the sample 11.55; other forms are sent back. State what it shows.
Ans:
5.15
